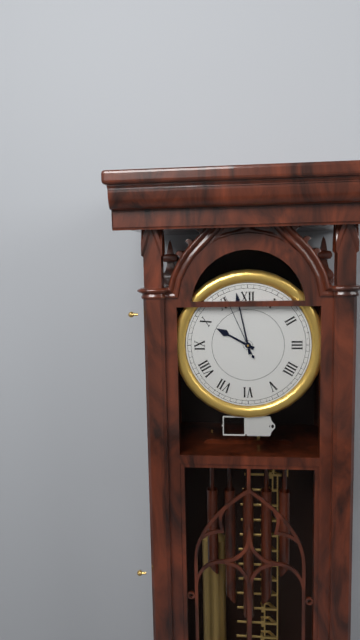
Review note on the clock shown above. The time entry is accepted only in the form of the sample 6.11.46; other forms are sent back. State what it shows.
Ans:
9.58.56
